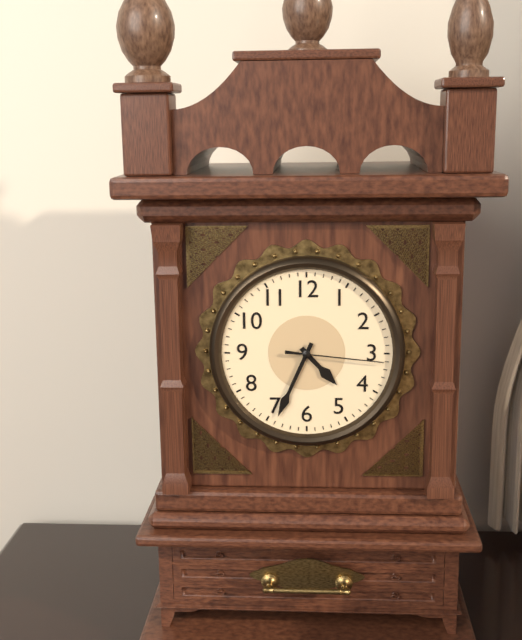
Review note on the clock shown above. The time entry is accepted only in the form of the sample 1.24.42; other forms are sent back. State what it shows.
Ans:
4.34.16
